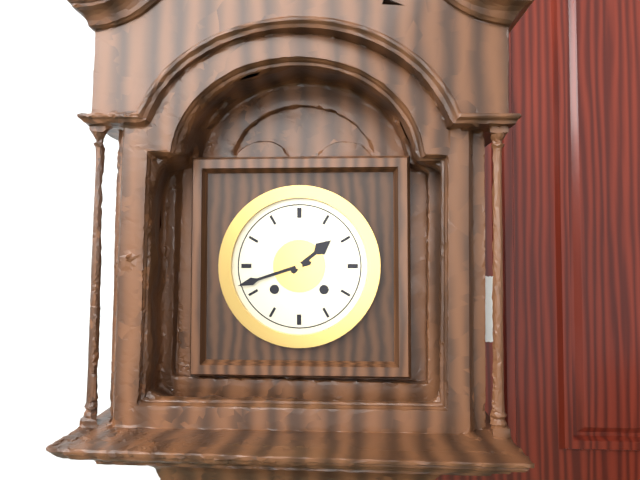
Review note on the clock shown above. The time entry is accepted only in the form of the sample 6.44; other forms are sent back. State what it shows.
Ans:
1.42
